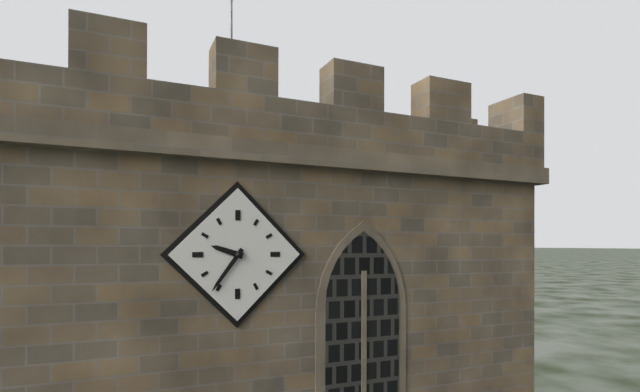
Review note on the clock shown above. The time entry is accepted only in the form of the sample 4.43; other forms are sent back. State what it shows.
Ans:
9.36
